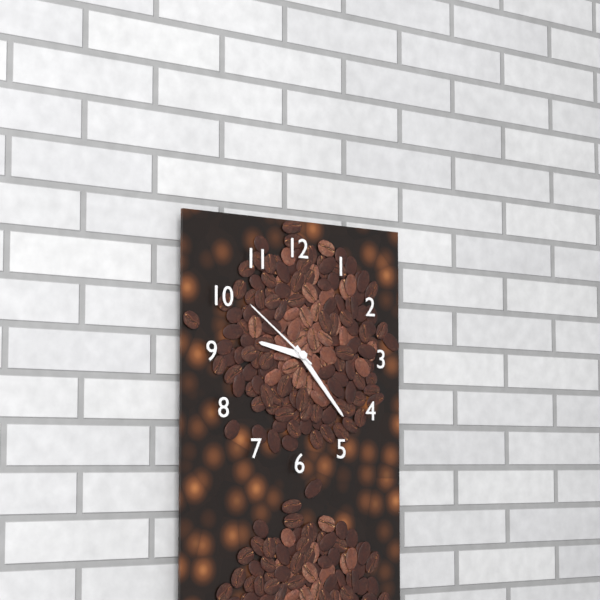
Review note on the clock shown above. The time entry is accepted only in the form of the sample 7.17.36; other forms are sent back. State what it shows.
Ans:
9.23.51
